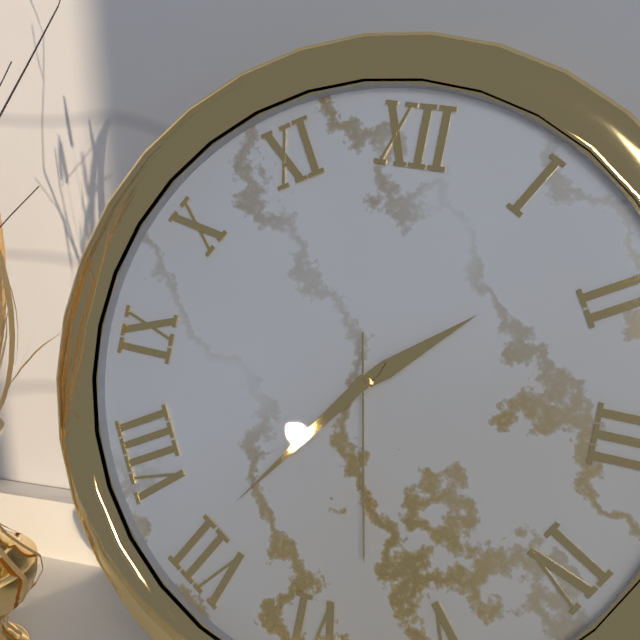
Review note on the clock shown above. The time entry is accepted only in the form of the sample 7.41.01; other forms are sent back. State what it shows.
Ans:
1.36.28
